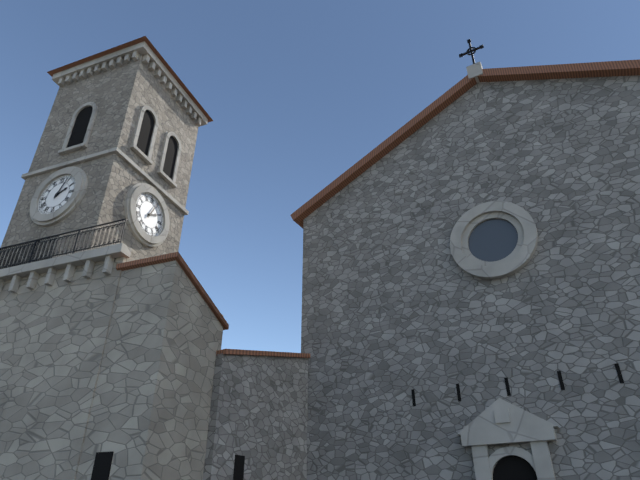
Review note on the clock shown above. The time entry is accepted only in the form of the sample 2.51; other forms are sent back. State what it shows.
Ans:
2.04
